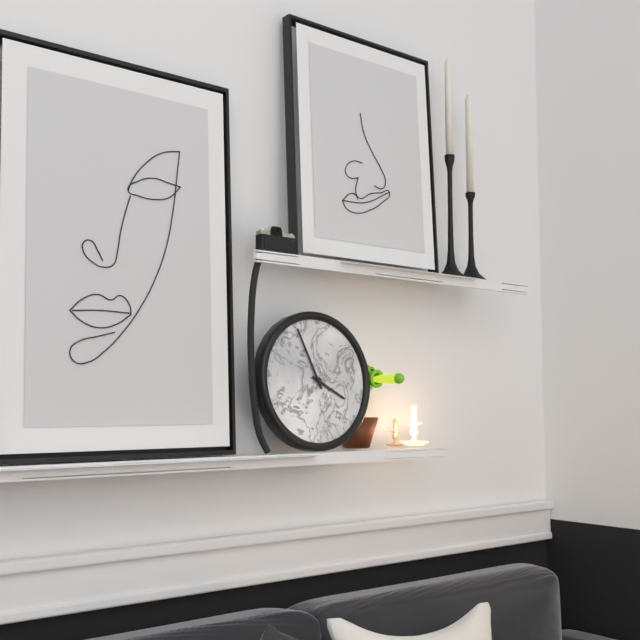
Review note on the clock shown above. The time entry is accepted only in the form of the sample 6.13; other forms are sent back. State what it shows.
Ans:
3.56
